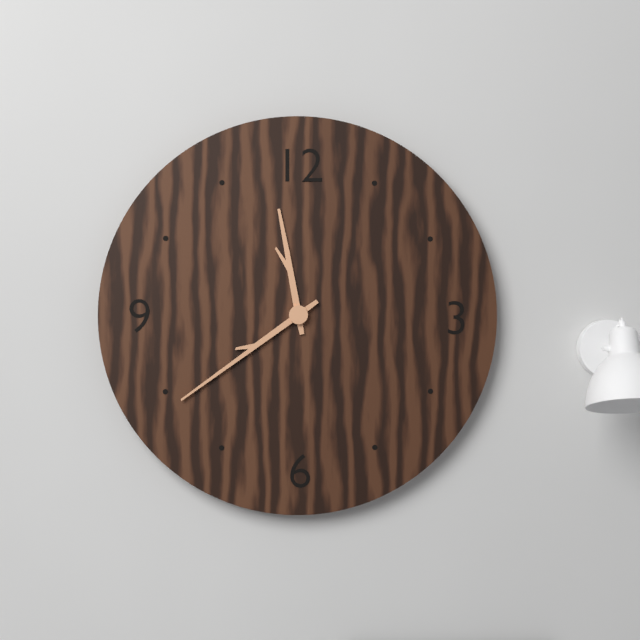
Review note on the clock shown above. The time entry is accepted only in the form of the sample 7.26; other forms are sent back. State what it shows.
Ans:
11.39
